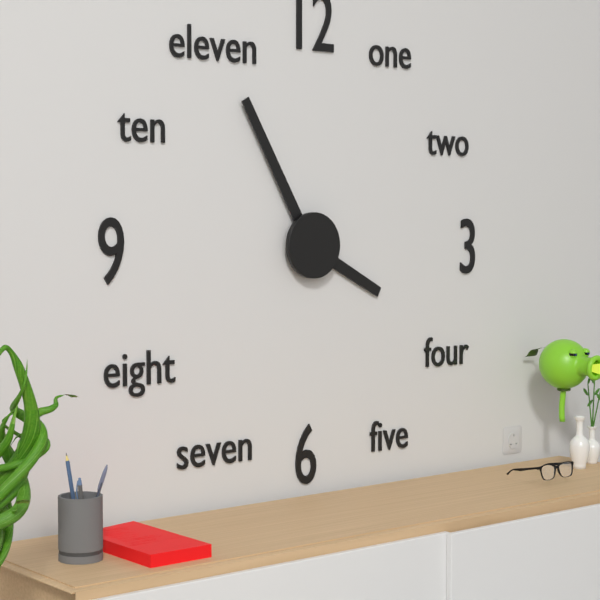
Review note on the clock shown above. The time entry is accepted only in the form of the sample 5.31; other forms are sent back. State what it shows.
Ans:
3.55
